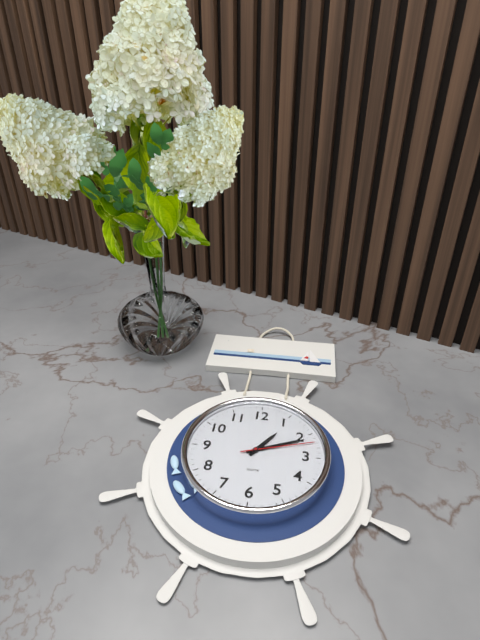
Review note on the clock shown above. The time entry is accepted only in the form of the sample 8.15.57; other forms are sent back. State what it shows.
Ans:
1.11.12
